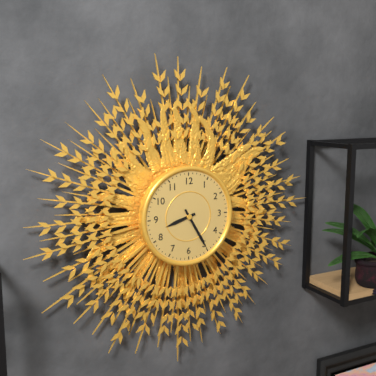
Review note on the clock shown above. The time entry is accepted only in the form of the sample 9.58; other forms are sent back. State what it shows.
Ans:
8.25
